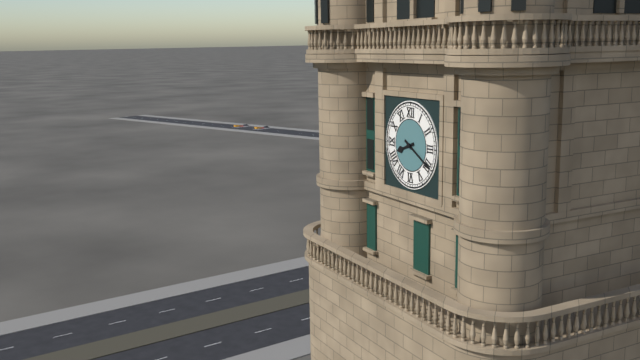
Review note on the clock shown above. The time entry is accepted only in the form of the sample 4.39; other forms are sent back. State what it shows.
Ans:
8.20
